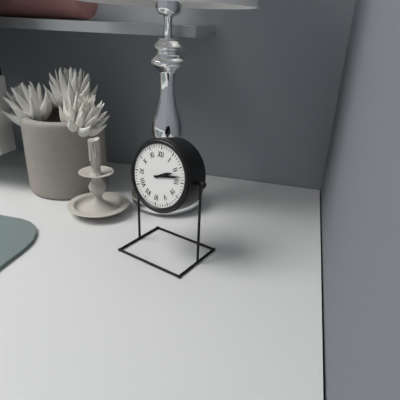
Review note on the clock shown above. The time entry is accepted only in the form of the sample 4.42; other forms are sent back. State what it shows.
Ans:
2.13
